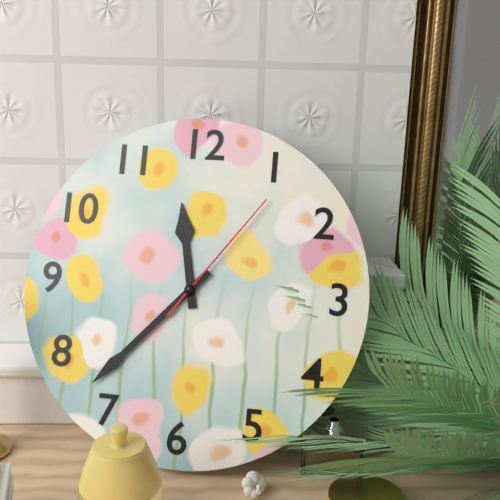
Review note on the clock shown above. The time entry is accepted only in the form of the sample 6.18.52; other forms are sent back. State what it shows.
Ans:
11.37.06
